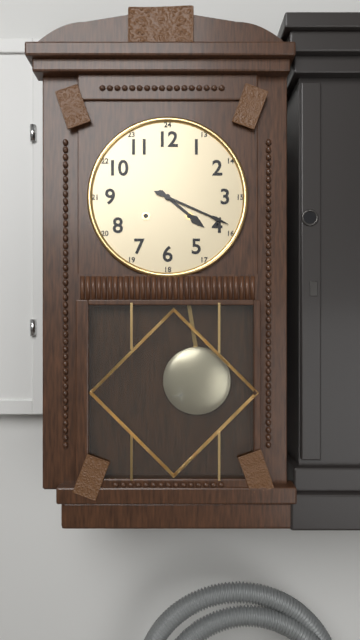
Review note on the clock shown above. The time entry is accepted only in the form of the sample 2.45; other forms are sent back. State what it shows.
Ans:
4.19
